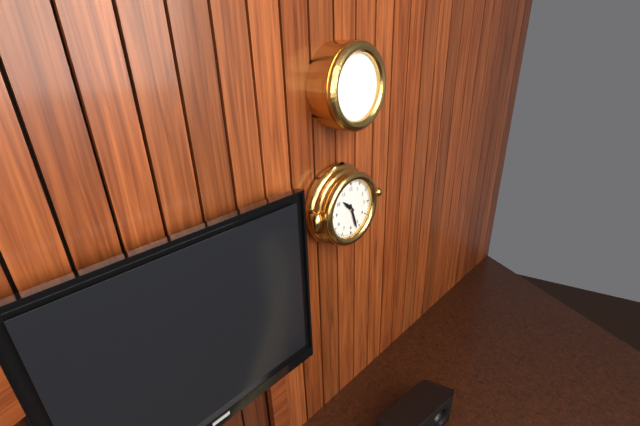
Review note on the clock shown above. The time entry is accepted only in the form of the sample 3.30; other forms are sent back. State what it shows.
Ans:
10.27
